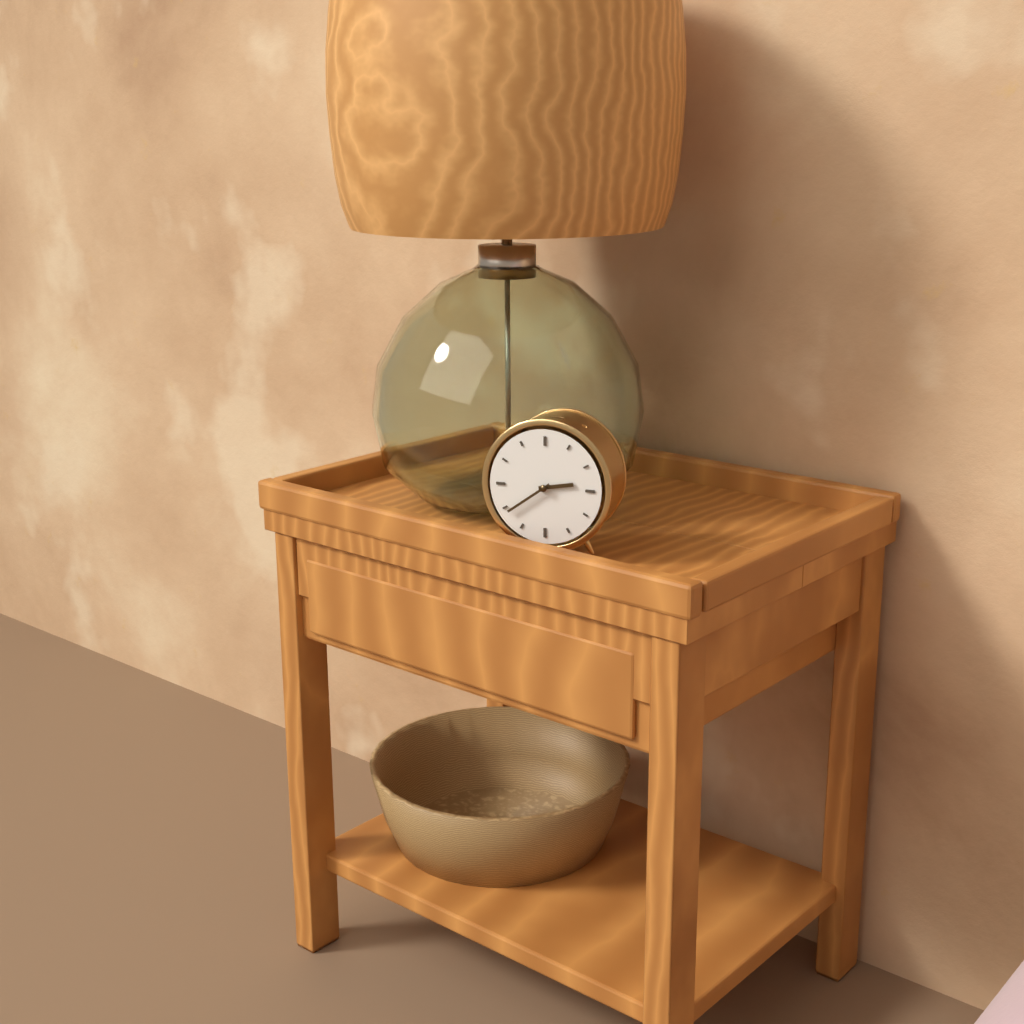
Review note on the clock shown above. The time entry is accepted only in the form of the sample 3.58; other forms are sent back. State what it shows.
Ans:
2.39
